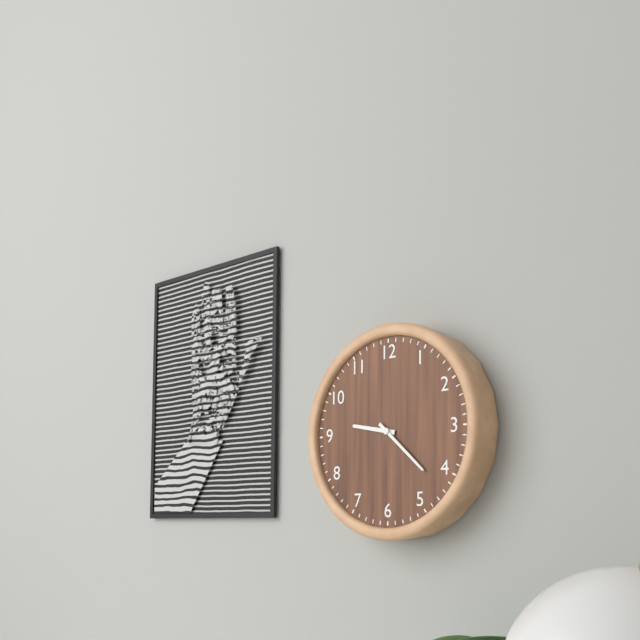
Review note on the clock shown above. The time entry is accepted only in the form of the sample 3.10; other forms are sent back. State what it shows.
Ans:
9.22
